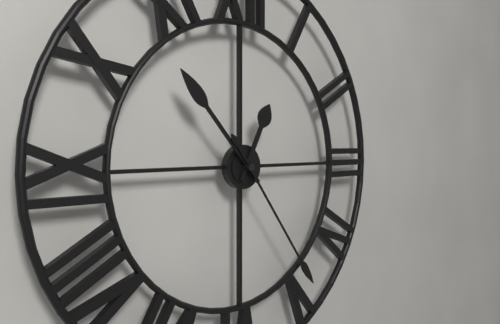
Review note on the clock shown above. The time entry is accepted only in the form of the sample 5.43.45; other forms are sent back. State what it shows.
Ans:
12.53.24
